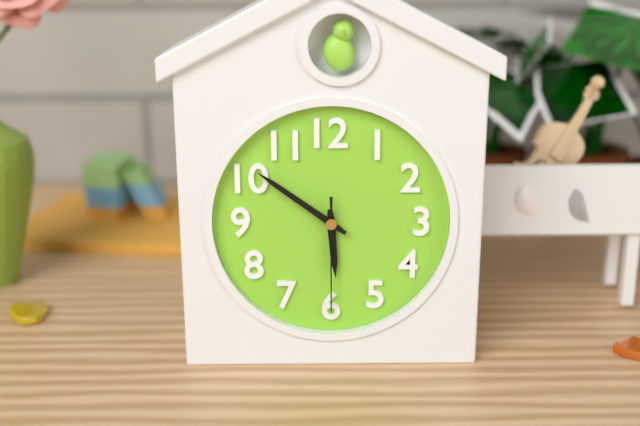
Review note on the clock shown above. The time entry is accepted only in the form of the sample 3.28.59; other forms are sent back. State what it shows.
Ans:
5.51.30
